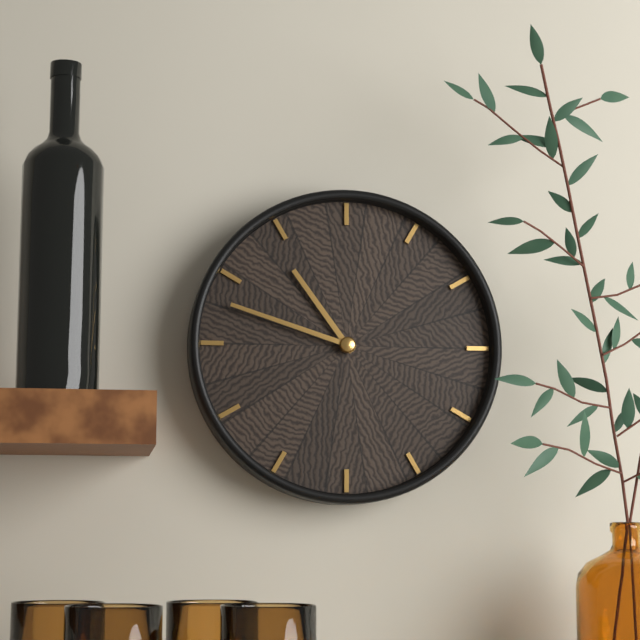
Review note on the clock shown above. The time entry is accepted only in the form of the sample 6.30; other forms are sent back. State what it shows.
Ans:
10.48
